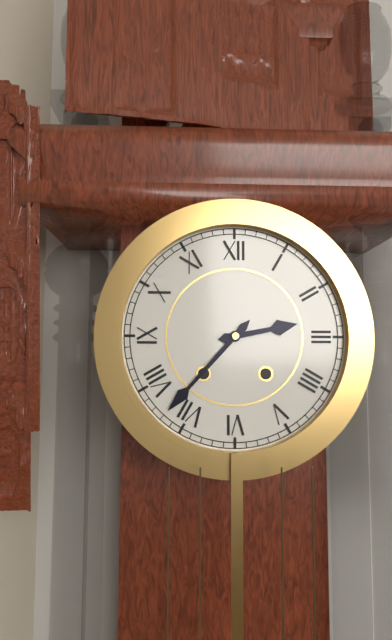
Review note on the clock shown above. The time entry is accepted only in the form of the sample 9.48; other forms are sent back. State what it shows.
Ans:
2.37
